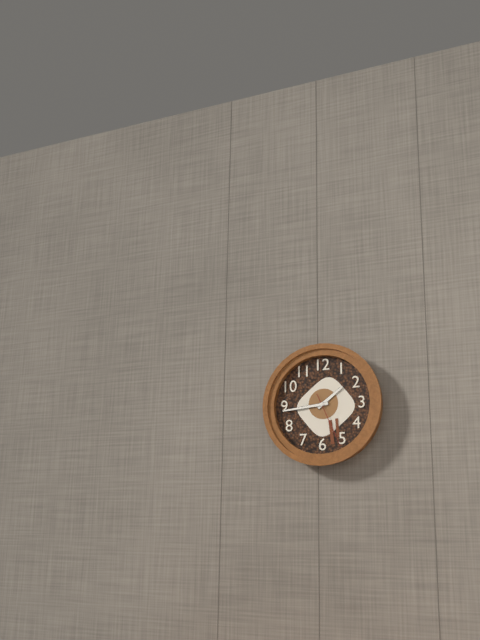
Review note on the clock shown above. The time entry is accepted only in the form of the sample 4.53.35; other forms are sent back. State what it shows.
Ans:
1.44.26
